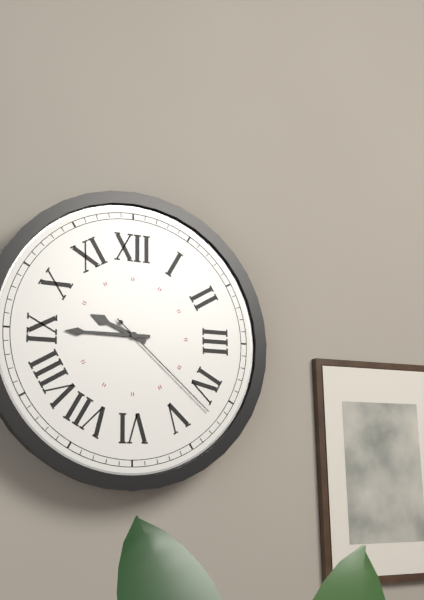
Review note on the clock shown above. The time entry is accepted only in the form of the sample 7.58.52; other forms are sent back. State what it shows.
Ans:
9.45.22
